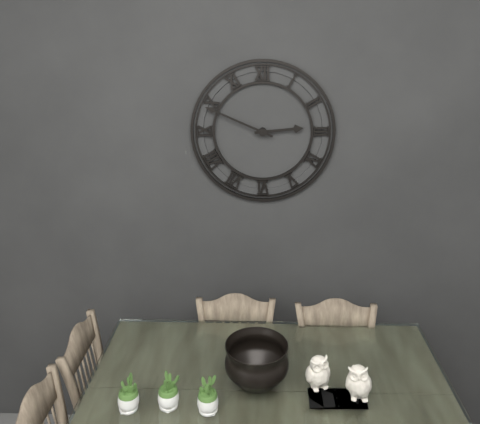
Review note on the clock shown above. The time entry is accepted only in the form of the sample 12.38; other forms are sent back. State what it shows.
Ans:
2.49
